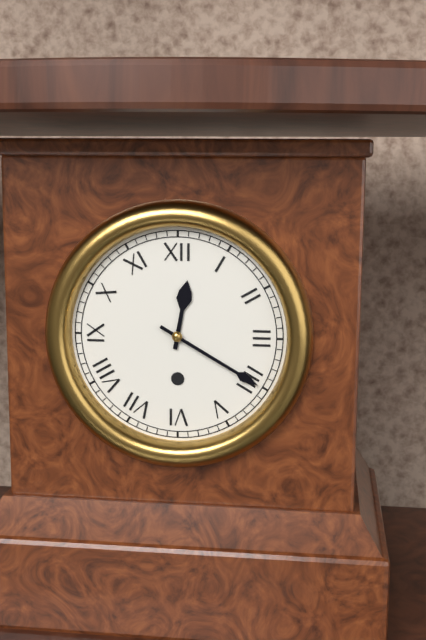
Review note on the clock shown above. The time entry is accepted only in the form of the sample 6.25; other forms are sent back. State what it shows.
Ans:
12.20
